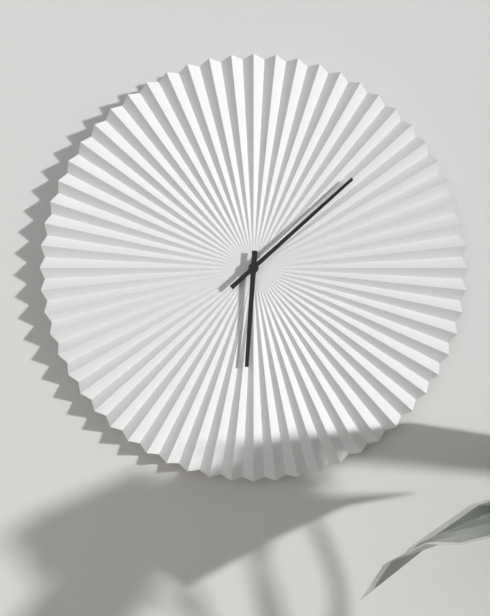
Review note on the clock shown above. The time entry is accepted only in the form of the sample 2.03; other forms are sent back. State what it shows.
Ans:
6.08
